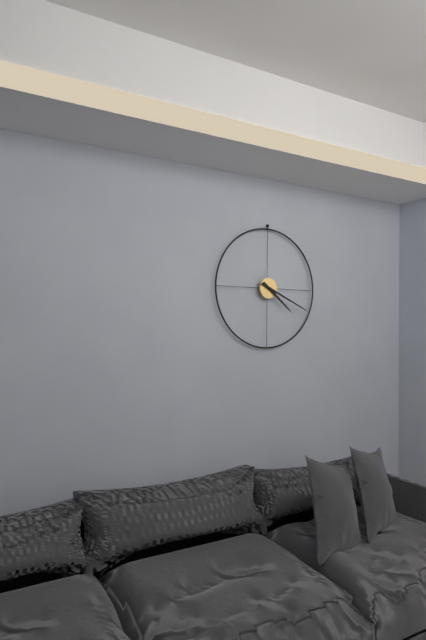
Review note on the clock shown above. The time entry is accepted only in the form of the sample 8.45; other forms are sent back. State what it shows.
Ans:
4.19
